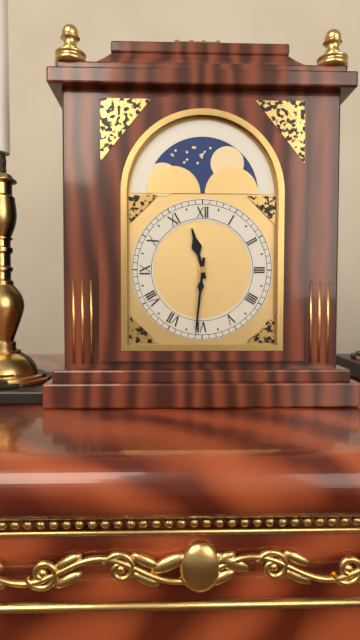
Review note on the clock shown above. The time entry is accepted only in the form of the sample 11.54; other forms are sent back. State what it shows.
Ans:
11.31
